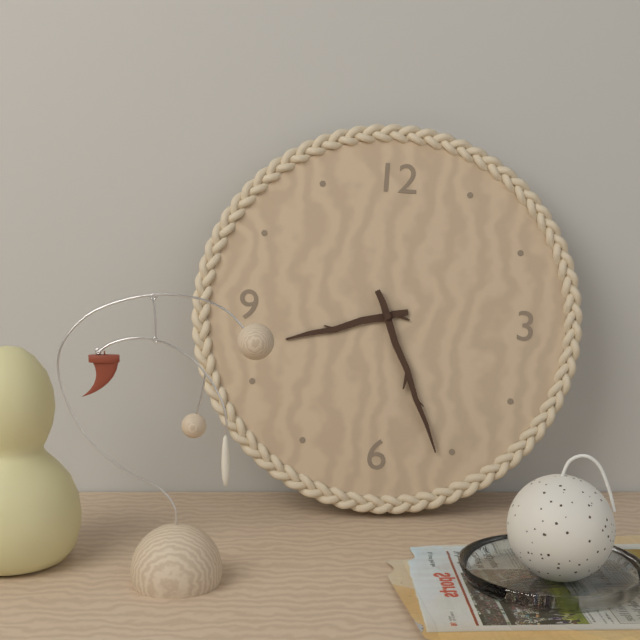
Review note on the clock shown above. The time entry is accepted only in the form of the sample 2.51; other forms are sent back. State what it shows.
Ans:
8.26
